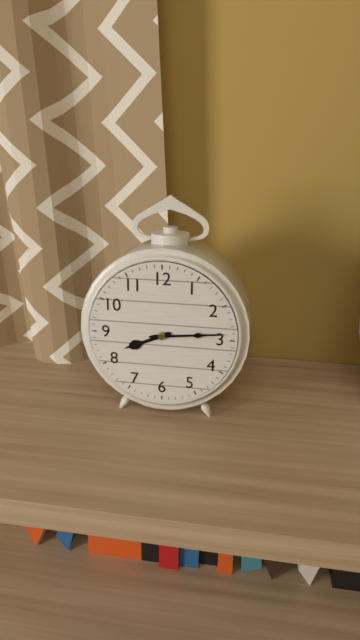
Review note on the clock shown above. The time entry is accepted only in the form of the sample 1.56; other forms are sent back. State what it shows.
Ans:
8.14
